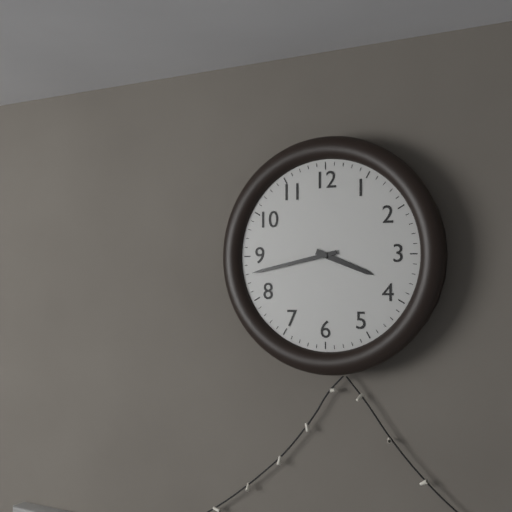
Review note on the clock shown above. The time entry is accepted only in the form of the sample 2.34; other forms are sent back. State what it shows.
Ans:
3.43
